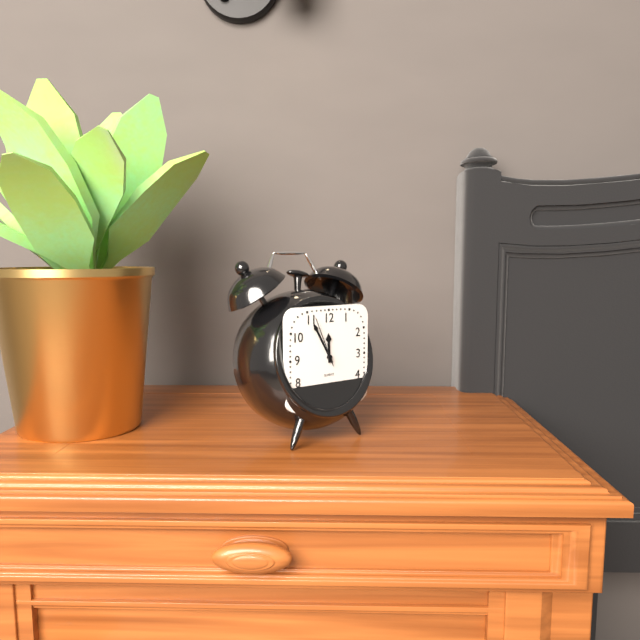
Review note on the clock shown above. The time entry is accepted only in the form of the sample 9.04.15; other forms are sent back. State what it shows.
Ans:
11.55.56
